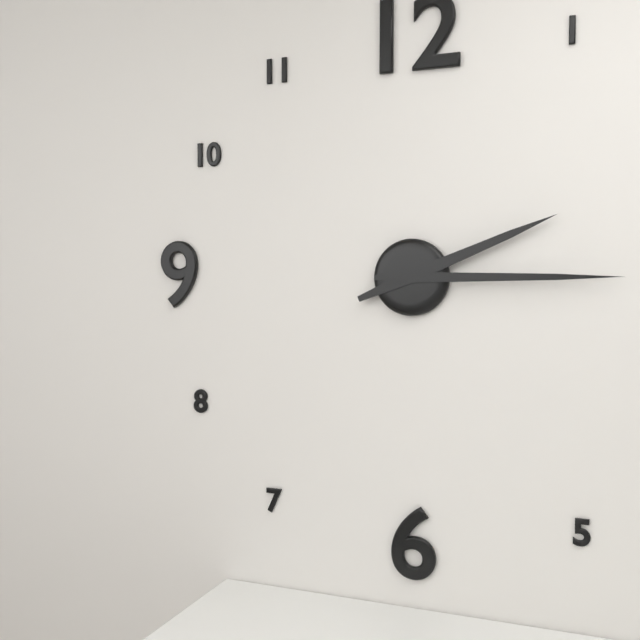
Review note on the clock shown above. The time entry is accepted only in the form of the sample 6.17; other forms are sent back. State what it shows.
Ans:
2.15
